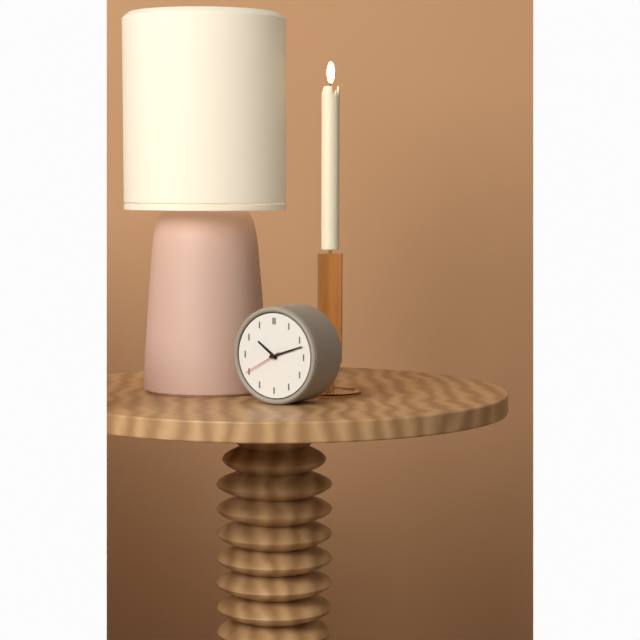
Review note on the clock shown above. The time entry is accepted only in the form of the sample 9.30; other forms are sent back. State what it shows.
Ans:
10.12
